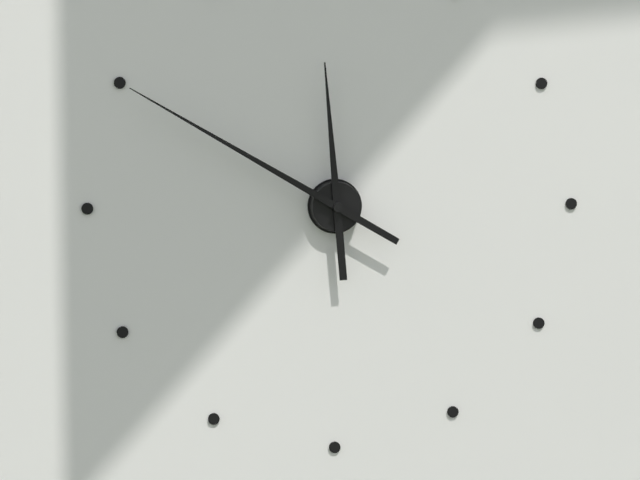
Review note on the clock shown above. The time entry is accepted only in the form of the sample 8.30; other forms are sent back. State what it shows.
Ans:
11.50
